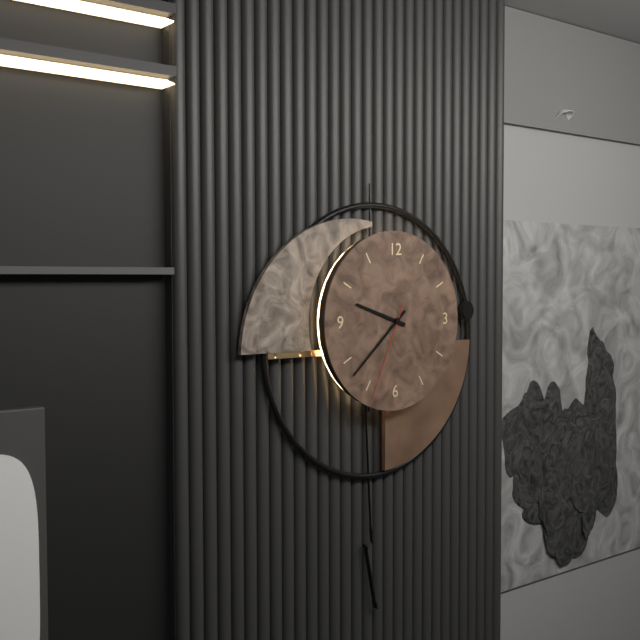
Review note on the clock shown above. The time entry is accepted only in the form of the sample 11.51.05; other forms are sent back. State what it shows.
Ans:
9.38.34
